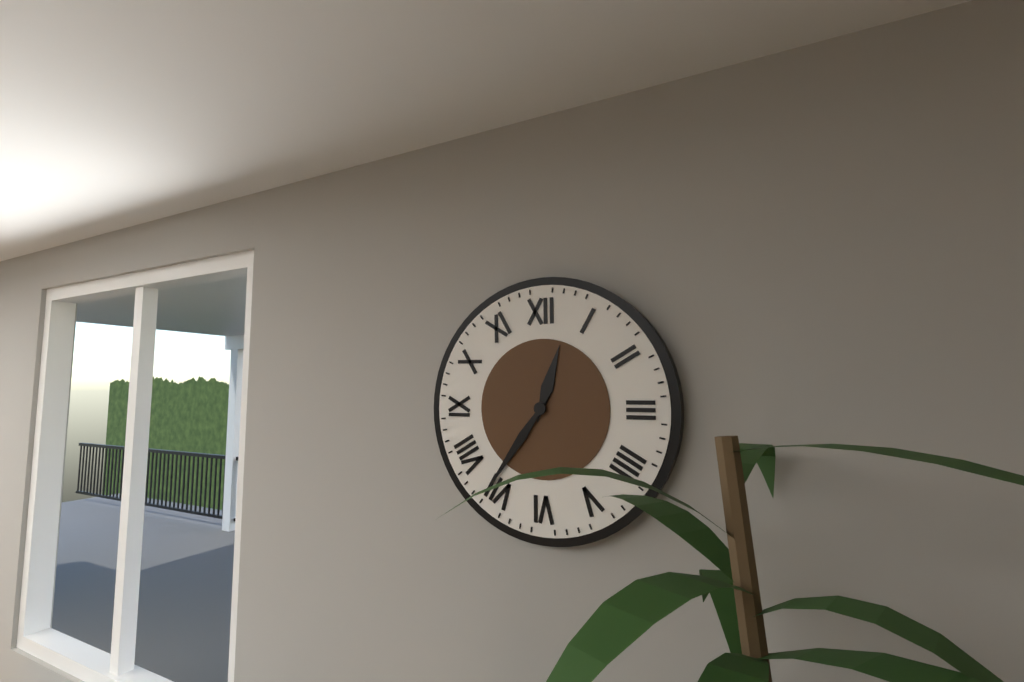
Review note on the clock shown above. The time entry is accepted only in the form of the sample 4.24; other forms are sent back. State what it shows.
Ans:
12.36
